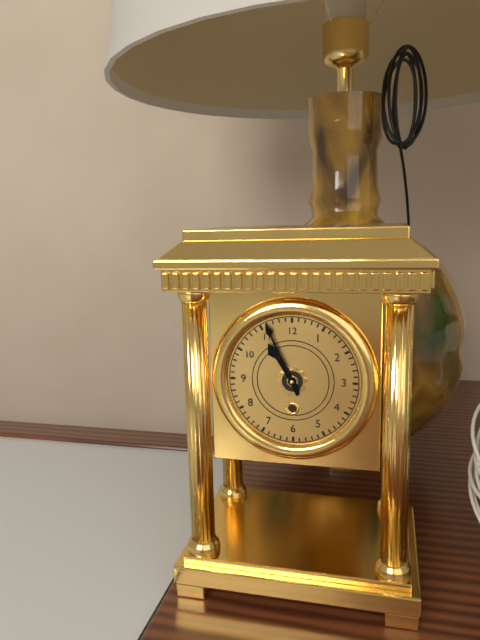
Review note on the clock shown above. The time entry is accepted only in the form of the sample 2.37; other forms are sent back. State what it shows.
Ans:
10.56
